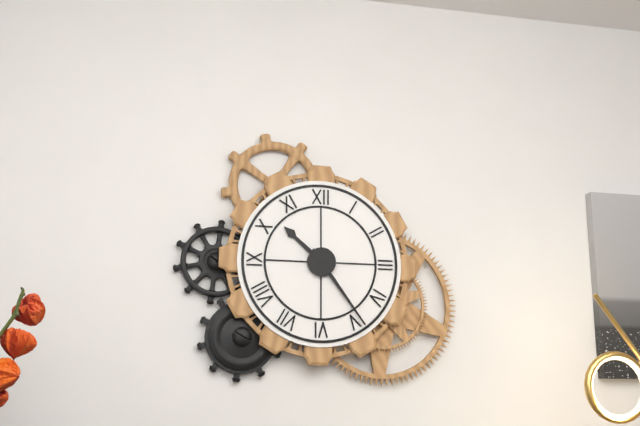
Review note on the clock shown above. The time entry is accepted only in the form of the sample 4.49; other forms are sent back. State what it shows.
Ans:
10.24
